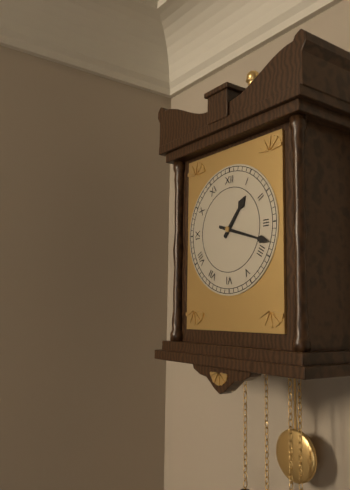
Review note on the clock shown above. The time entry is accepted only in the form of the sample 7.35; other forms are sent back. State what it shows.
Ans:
1.18
